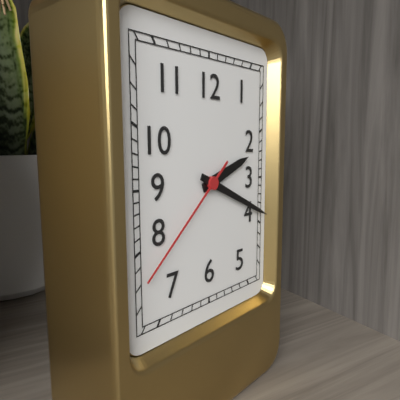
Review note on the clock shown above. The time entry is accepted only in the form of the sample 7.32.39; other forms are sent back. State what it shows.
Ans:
2.19.38
